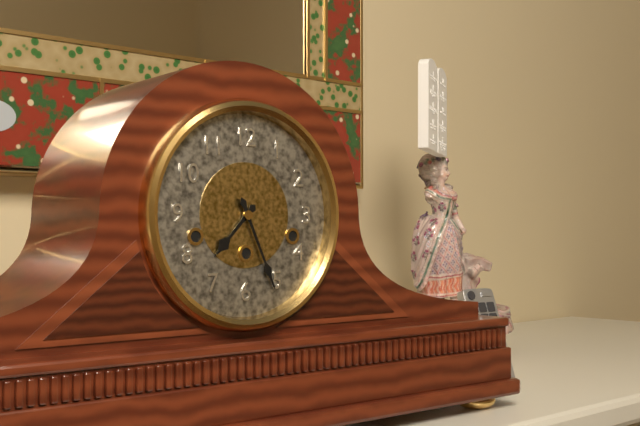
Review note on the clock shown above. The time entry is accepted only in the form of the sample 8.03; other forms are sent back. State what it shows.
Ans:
7.26
